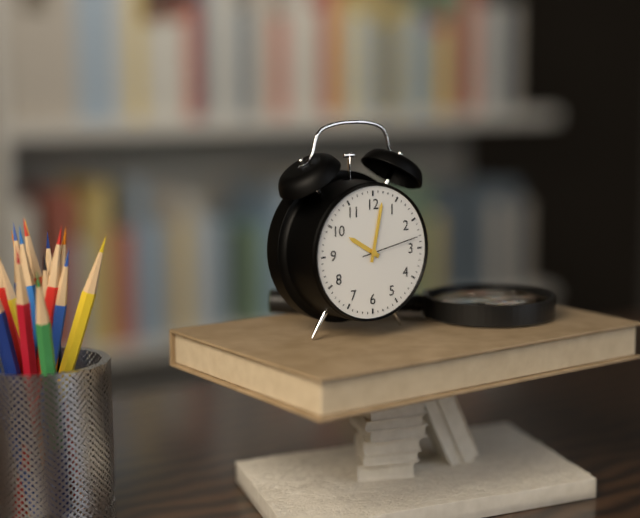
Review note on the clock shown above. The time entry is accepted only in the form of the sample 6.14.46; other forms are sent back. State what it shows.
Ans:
10.02.13
